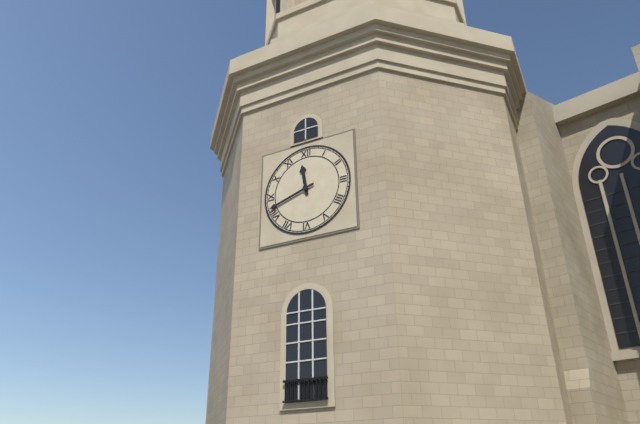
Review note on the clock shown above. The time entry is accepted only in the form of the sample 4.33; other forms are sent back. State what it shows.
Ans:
11.42
